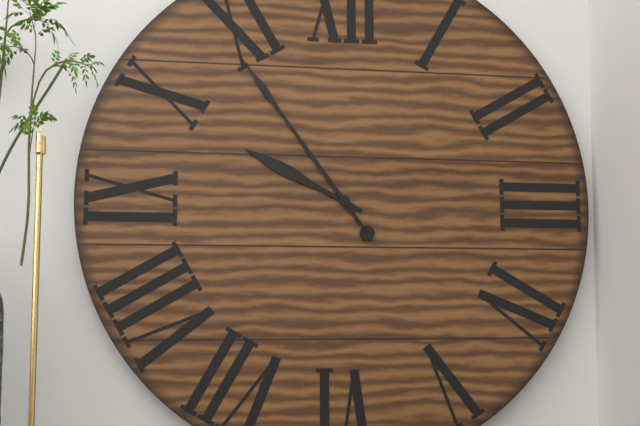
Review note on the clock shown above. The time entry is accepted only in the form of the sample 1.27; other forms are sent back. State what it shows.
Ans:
9.54
